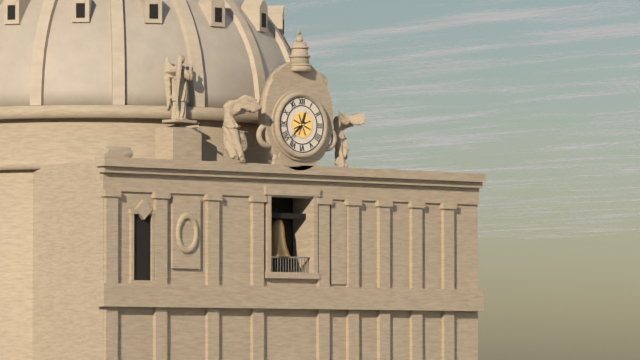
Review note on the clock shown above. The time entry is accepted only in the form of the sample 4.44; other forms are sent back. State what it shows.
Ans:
12.38
